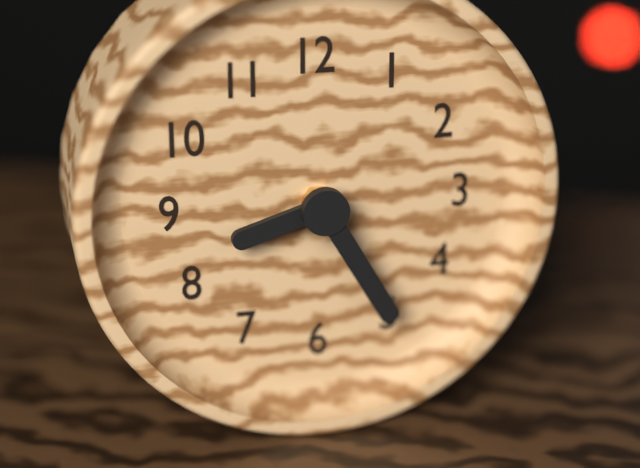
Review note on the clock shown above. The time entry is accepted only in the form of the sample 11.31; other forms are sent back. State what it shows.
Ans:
8.25
